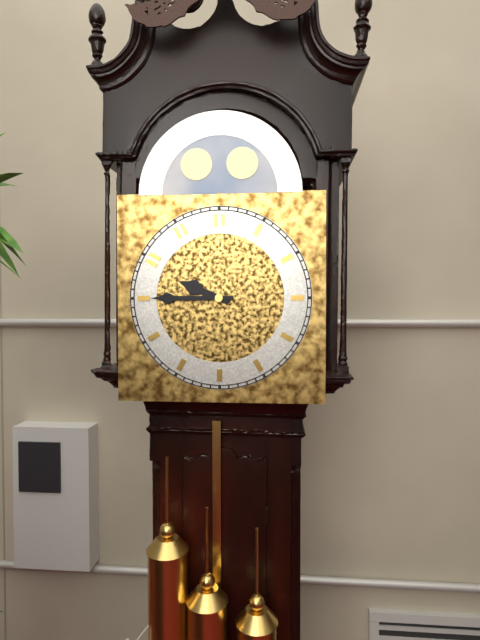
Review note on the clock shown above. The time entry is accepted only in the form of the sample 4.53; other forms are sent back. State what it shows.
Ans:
9.45
